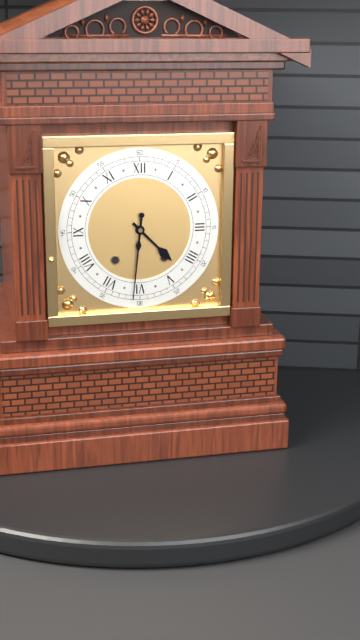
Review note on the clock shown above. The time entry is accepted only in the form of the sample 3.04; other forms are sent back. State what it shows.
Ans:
4.31
